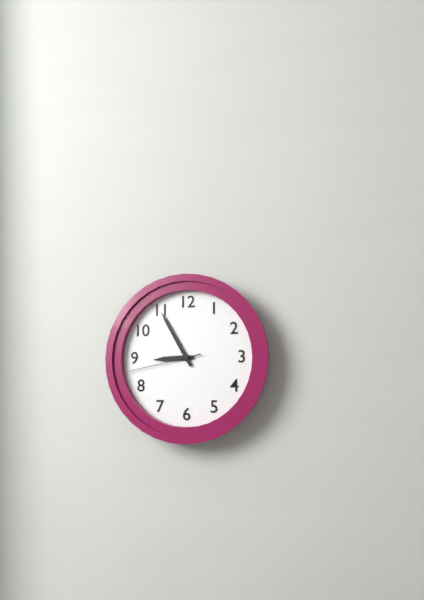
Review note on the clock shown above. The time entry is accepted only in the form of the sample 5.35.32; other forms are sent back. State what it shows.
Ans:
8.55.43
